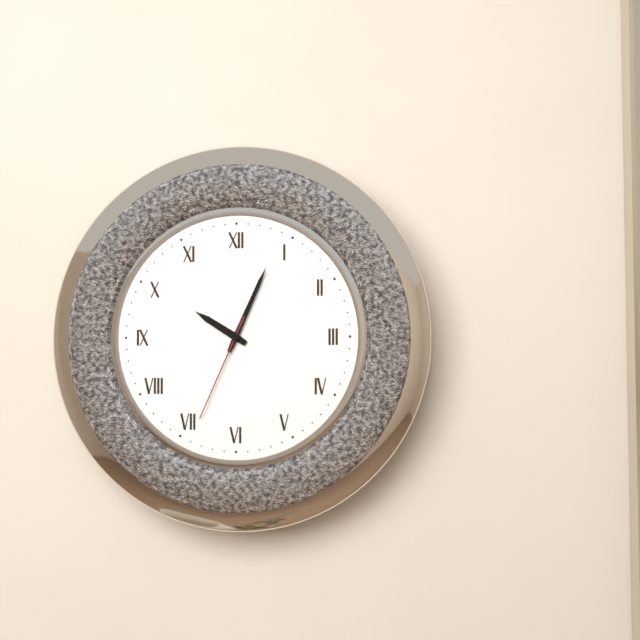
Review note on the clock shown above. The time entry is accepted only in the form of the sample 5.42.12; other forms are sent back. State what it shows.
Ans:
10.04.34
